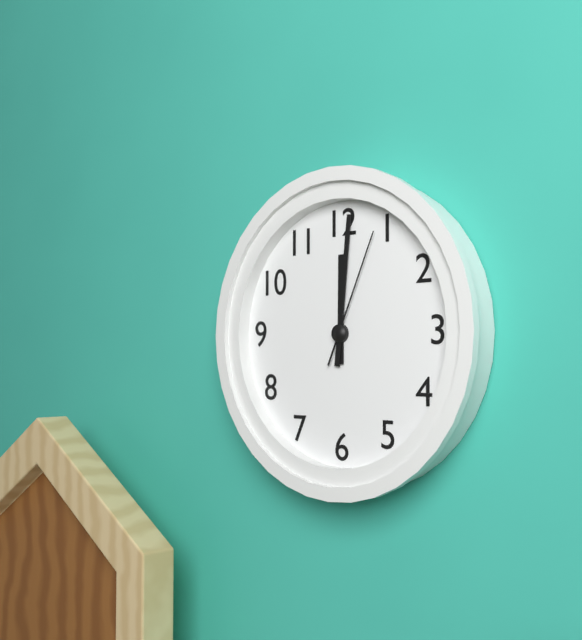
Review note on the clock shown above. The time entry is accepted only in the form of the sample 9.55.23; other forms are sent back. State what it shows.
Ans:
12.01.04
